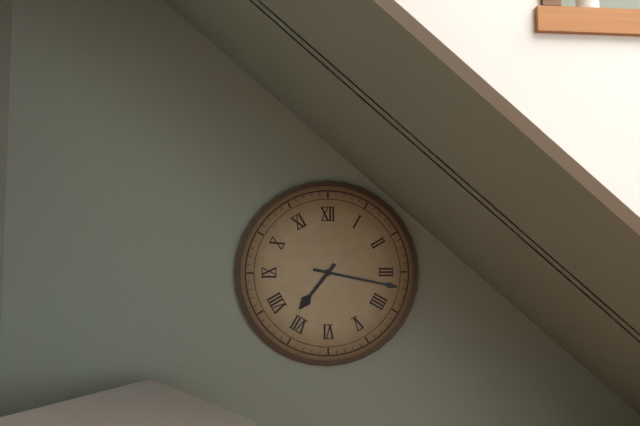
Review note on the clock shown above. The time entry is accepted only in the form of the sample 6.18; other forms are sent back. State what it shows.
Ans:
7.17
